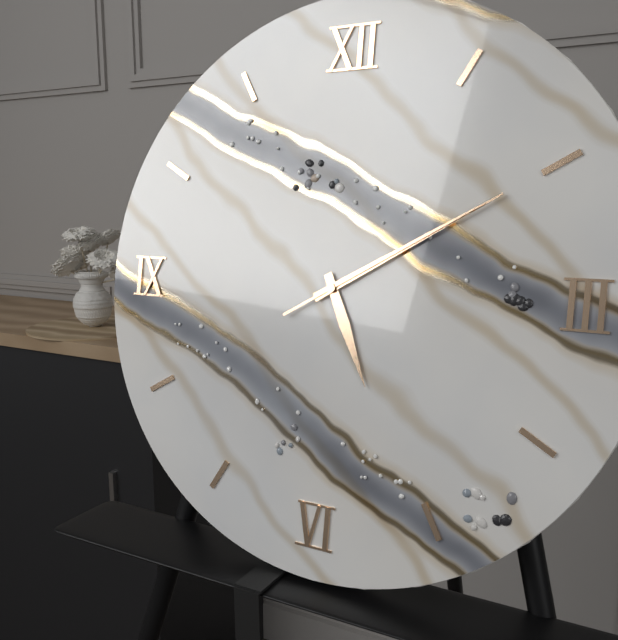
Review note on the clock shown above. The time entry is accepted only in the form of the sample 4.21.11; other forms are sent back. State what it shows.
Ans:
5.10.10
